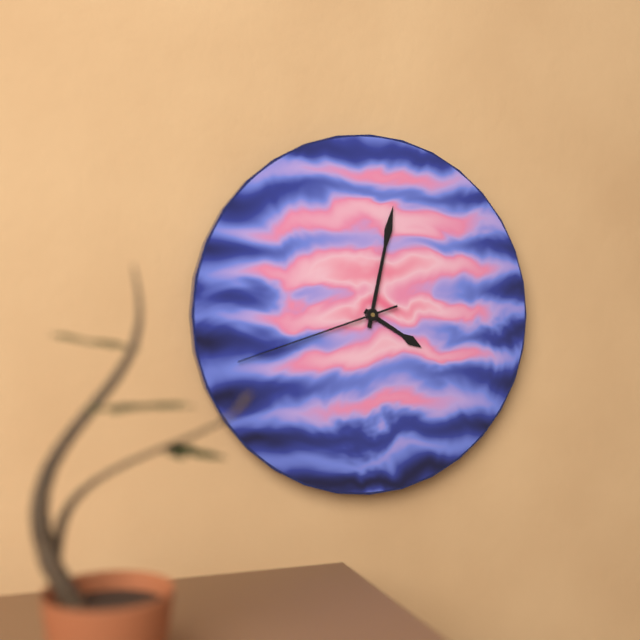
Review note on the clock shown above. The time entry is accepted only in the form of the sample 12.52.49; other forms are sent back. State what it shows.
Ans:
4.02.42
